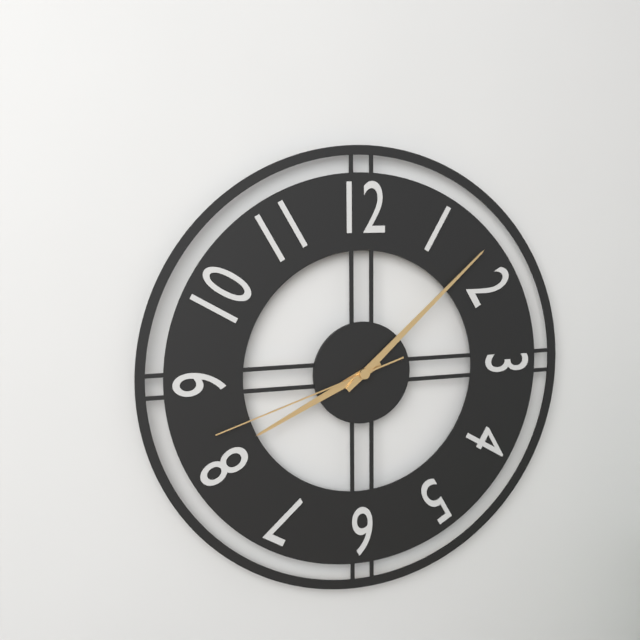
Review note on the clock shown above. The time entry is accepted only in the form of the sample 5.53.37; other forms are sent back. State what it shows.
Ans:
8.08.42
